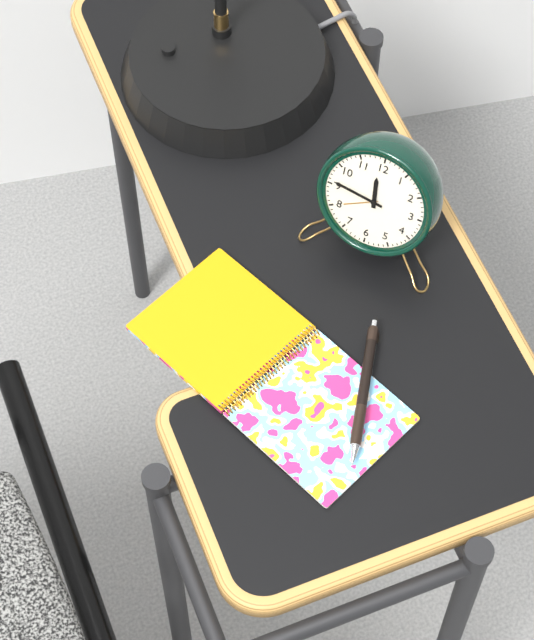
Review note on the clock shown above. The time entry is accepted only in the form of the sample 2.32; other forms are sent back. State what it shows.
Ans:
11.46
